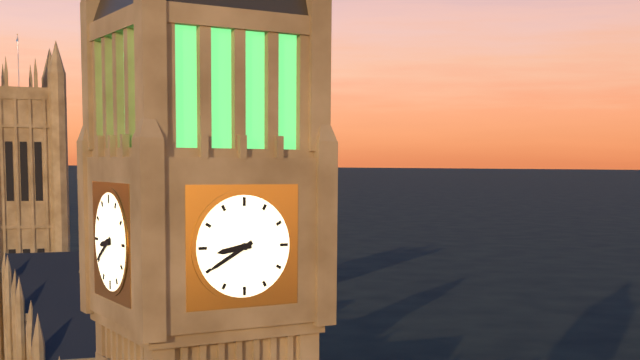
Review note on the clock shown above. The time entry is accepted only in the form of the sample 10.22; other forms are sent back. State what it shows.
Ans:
8.40
